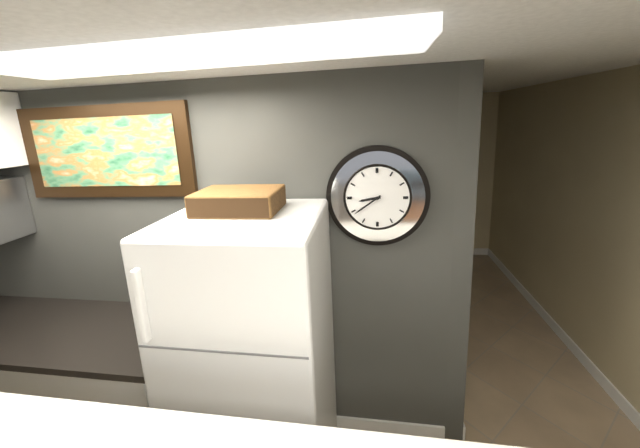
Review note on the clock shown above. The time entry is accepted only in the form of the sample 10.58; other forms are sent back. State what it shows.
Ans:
8.39
